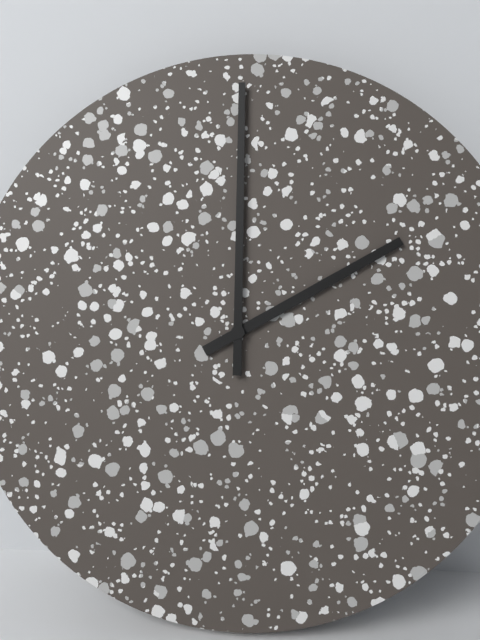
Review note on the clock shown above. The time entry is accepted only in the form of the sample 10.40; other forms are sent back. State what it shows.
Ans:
2.00
